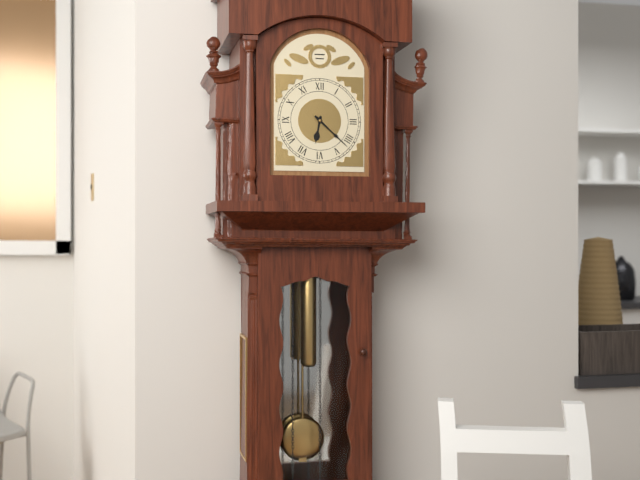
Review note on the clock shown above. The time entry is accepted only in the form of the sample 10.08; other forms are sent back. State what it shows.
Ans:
6.22
